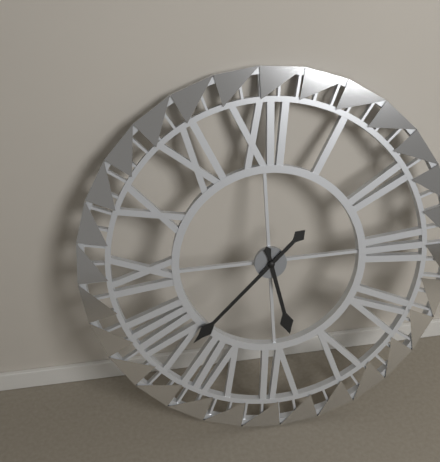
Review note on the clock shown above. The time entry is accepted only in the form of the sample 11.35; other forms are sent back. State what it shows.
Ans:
5.38
